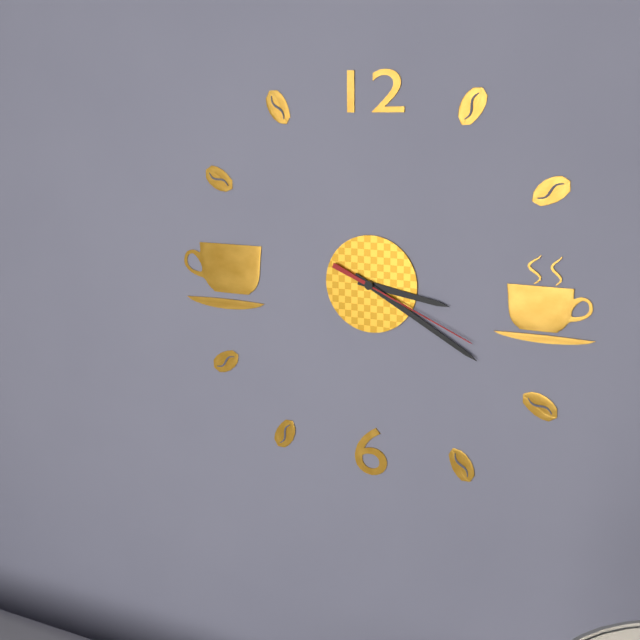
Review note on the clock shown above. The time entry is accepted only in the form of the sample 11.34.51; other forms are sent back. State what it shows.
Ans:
3.20.19
